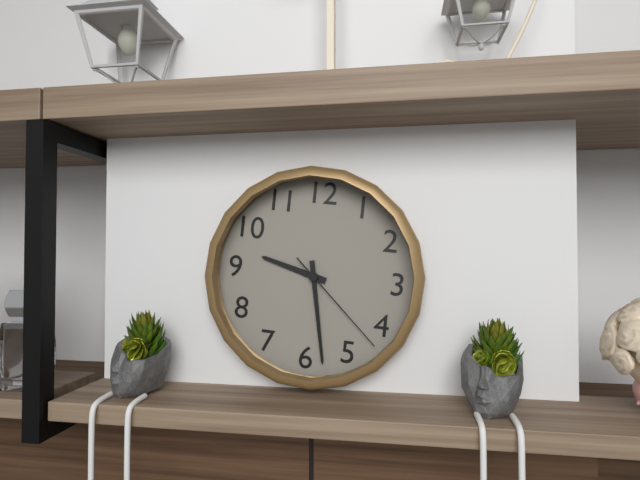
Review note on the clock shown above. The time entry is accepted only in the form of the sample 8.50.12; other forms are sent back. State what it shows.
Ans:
9.28.22
